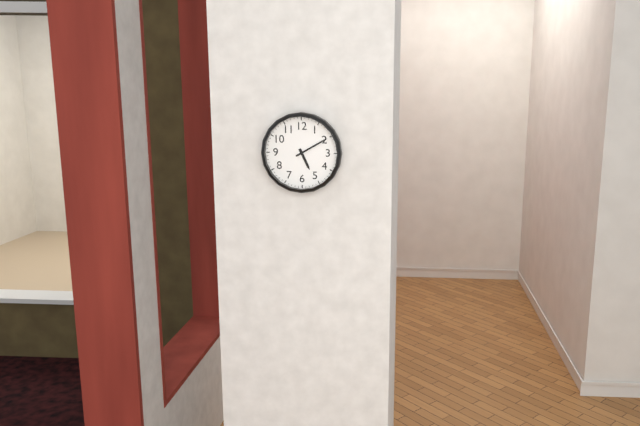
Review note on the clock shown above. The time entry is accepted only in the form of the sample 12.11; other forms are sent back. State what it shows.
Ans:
5.10
